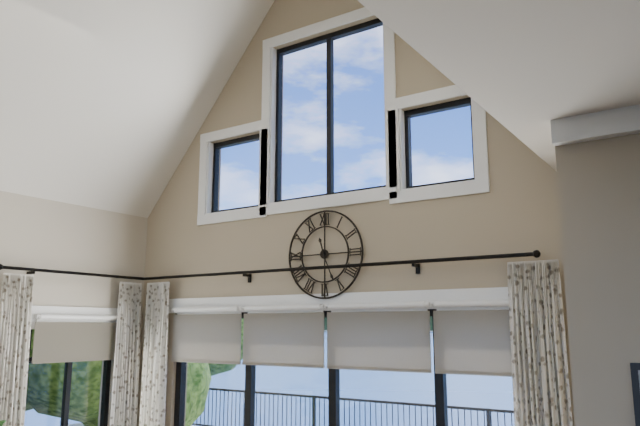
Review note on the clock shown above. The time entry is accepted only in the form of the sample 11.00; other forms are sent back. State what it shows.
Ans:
11.26
